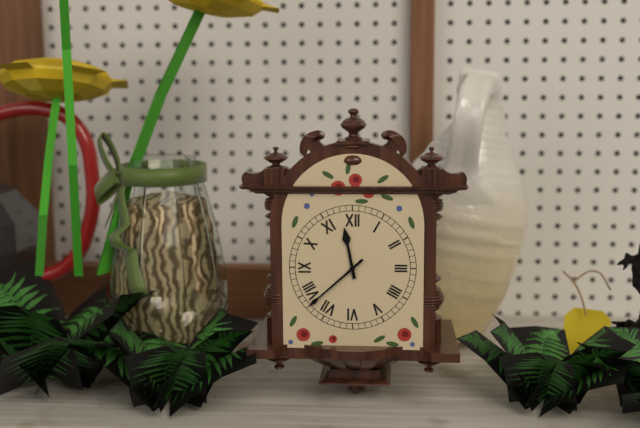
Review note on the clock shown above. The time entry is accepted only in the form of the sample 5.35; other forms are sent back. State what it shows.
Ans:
11.38
